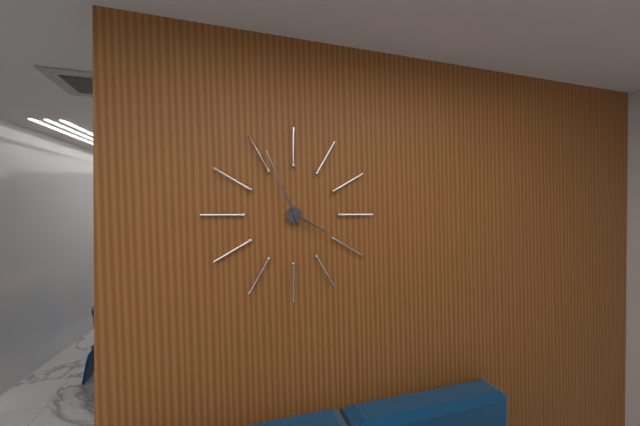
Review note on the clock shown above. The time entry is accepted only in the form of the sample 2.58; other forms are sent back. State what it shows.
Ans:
3.56
